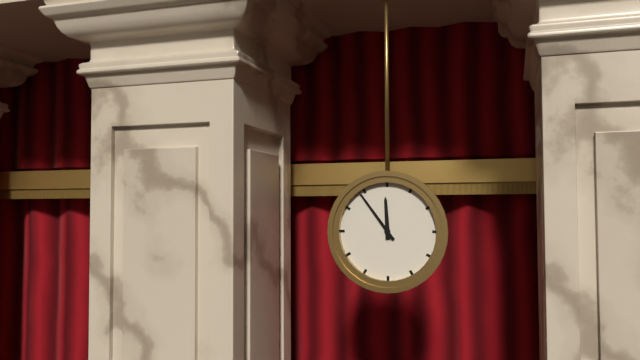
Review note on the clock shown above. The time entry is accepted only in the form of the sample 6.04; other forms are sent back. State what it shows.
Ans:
11.54
